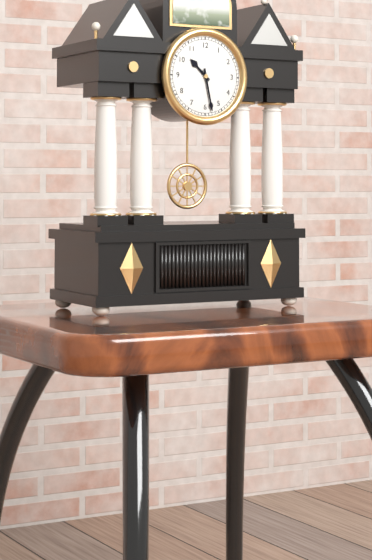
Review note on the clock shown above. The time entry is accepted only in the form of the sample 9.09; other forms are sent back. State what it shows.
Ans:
10.28
